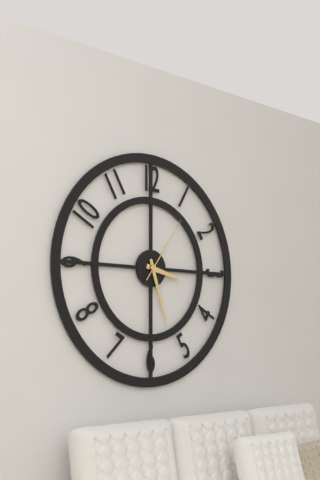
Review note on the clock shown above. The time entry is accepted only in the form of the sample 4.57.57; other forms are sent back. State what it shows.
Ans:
3.27.06
